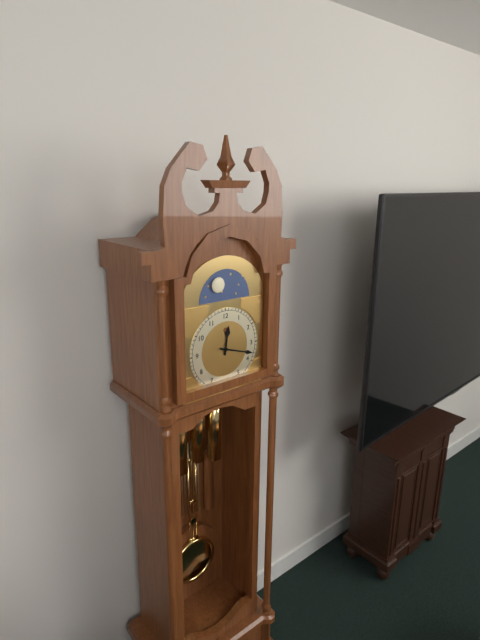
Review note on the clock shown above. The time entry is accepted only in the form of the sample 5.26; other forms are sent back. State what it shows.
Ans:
12.18
